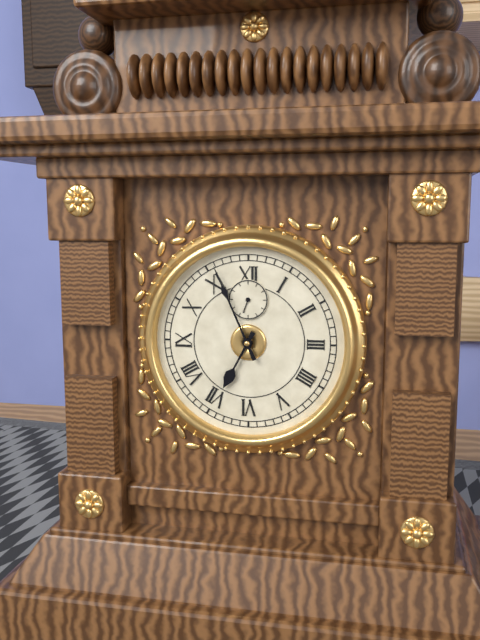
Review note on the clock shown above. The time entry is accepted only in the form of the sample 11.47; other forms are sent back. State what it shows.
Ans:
6.56
